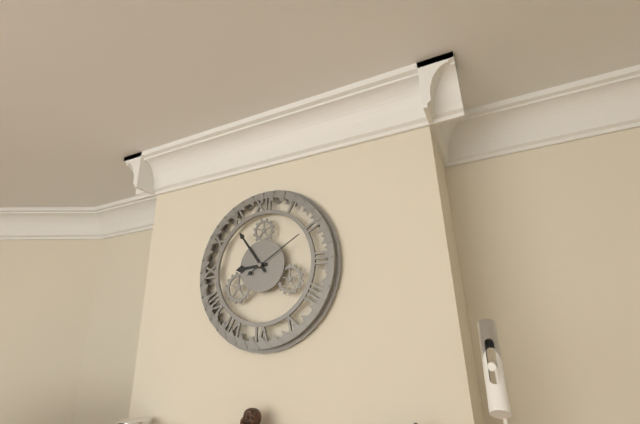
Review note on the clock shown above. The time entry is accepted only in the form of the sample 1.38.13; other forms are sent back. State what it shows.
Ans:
8.54.10
